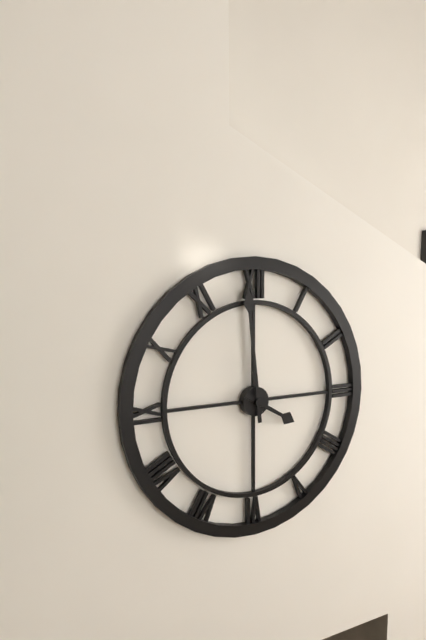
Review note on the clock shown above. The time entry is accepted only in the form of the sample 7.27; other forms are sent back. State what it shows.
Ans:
3.59
